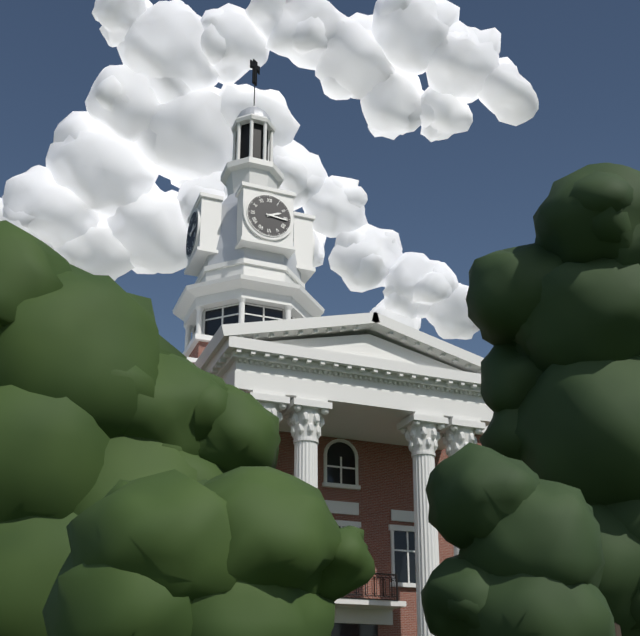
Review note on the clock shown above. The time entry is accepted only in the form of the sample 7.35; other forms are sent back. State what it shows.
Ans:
2.16
